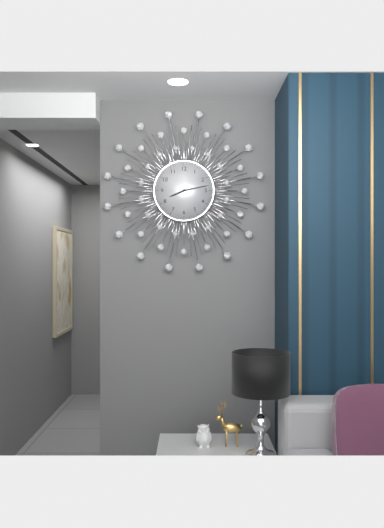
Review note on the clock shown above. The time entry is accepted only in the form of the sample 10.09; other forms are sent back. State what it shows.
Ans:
8.13
